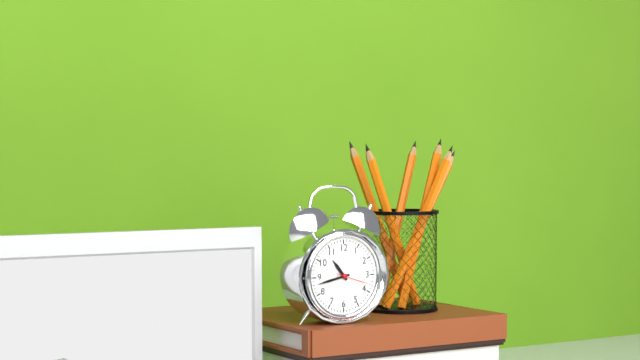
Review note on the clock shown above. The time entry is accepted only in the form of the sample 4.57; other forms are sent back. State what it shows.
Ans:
10.43
